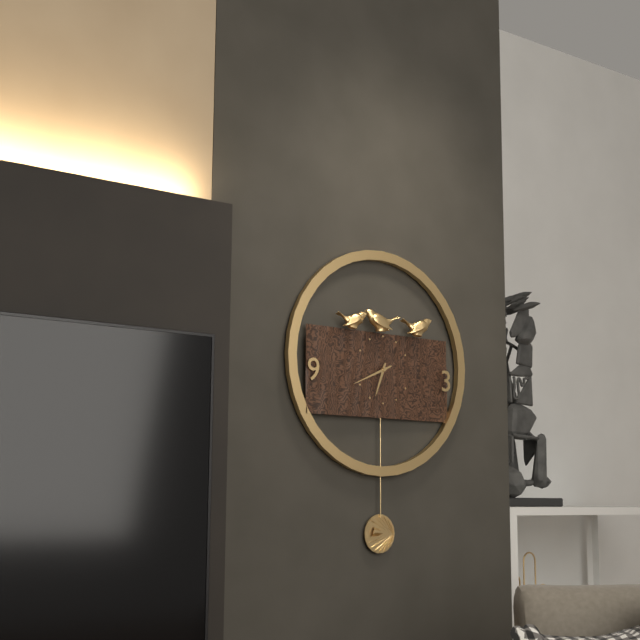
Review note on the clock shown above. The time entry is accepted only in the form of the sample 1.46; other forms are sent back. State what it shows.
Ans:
6.41
